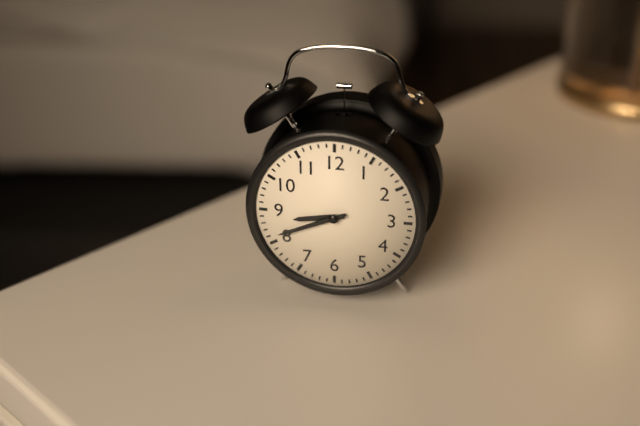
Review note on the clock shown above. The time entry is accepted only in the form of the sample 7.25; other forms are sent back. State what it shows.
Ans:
8.41
